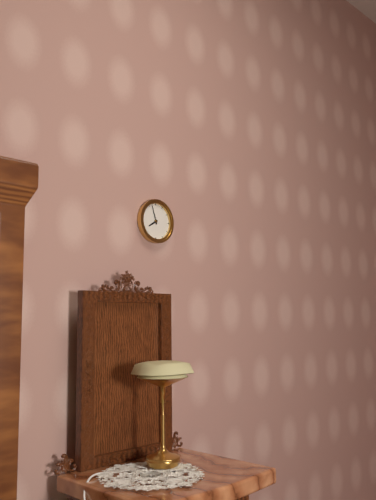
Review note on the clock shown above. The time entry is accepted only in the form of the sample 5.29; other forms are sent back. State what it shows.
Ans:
7.57
